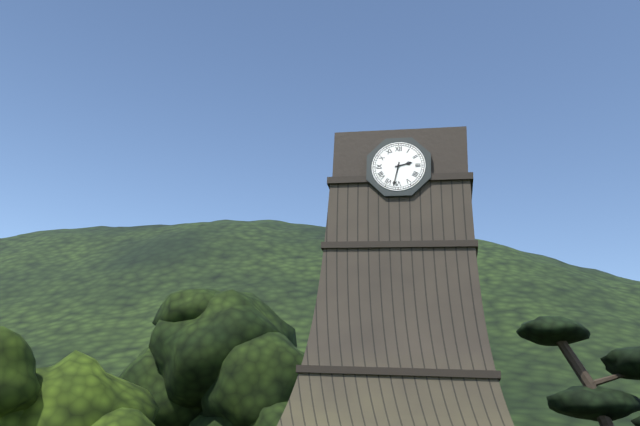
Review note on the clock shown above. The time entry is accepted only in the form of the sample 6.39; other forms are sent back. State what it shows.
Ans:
2.32
